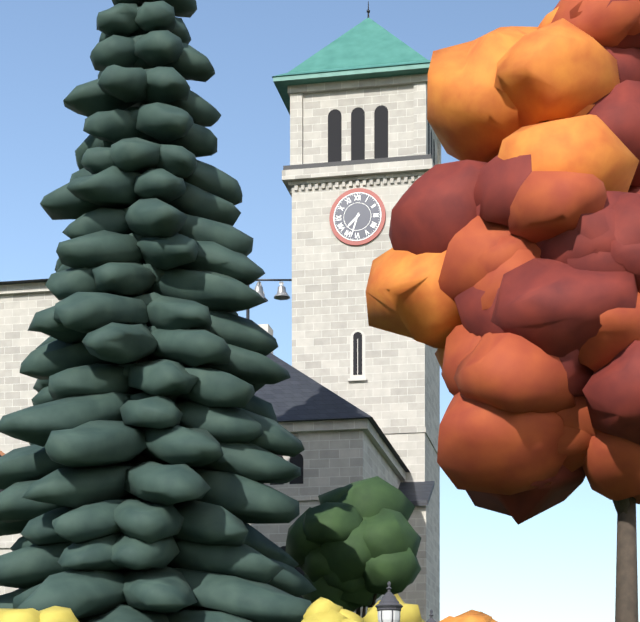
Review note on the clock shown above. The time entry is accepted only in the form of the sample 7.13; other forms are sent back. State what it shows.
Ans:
7.33
